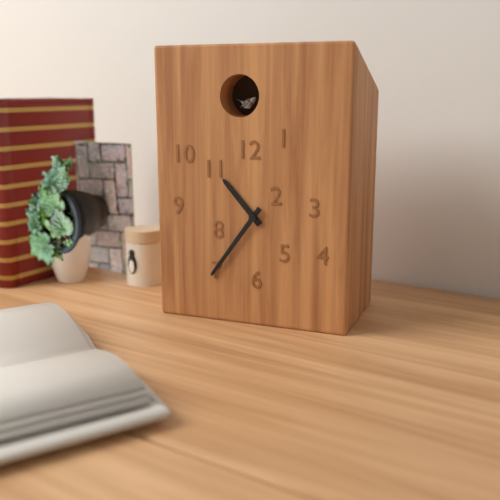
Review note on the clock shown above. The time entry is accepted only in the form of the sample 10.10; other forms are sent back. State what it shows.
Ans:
10.36
